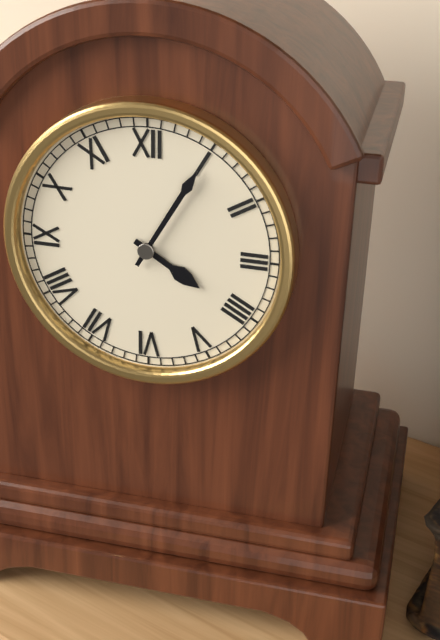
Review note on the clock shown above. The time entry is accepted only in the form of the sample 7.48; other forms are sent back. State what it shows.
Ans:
4.05
